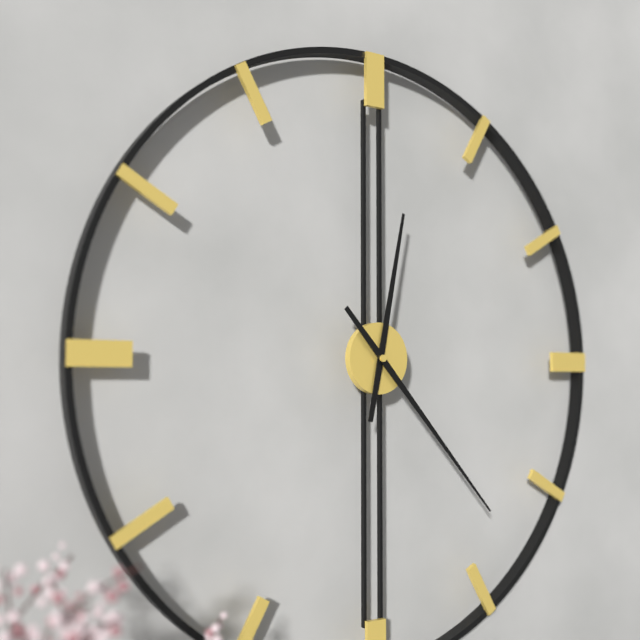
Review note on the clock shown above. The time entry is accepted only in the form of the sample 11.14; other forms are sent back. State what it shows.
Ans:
12.23
